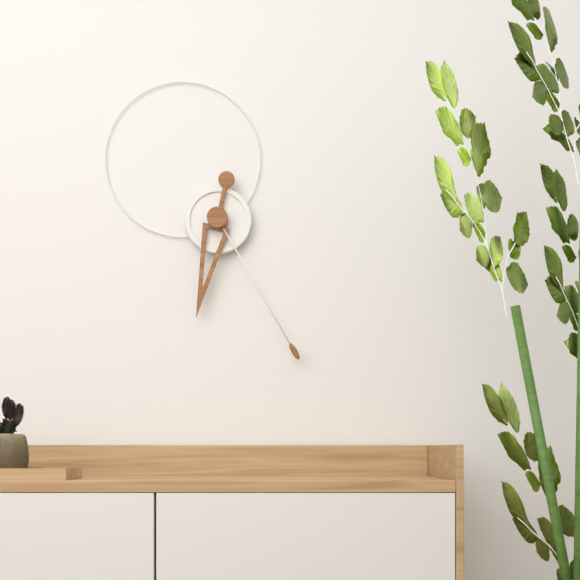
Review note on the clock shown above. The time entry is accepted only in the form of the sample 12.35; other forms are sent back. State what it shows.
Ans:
6.25
